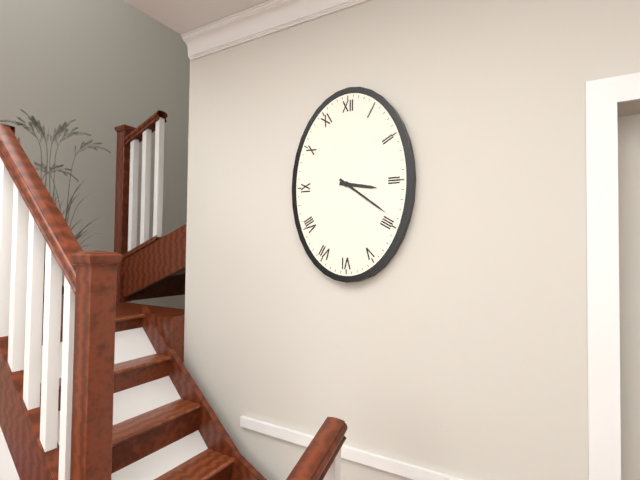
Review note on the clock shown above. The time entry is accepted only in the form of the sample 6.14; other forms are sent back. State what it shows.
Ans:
3.21
